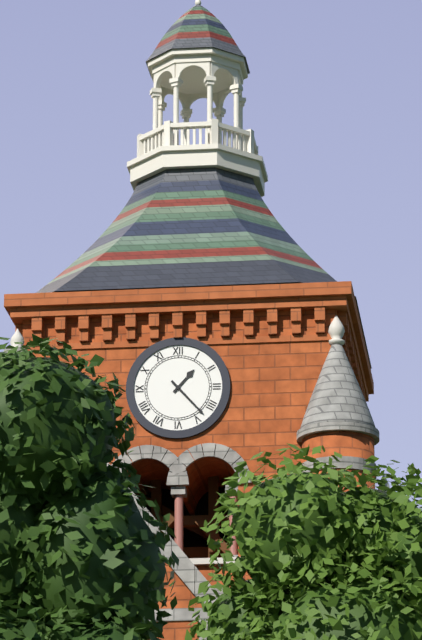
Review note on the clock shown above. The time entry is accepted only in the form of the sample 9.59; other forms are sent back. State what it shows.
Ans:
1.23
